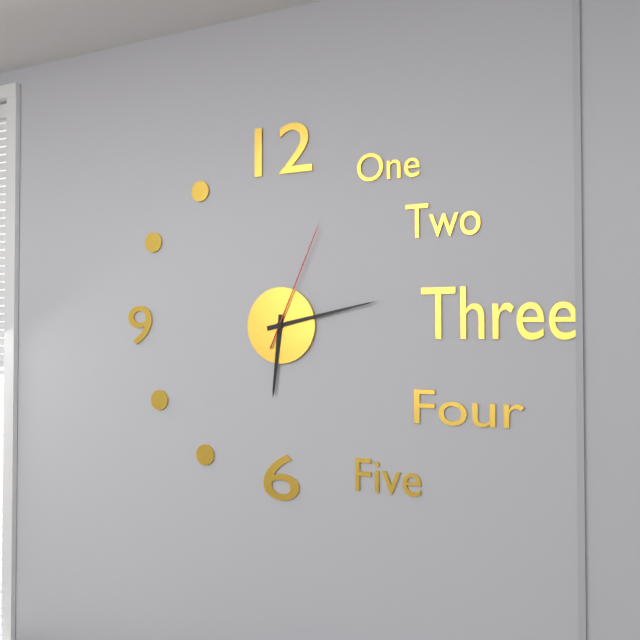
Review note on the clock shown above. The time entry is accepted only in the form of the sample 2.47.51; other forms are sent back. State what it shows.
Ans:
6.13.04
